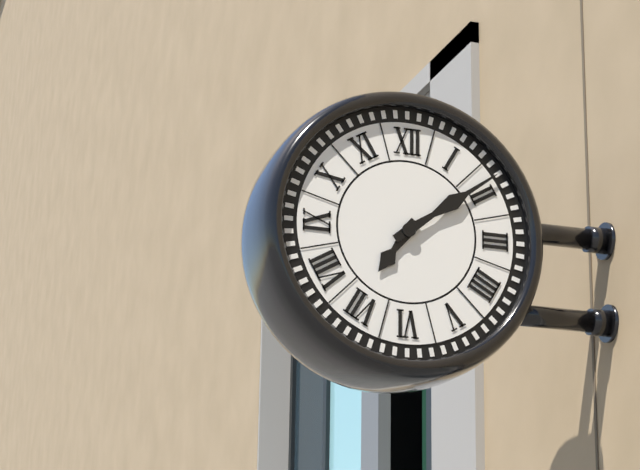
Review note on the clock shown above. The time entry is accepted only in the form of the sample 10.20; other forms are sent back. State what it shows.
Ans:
7.09
